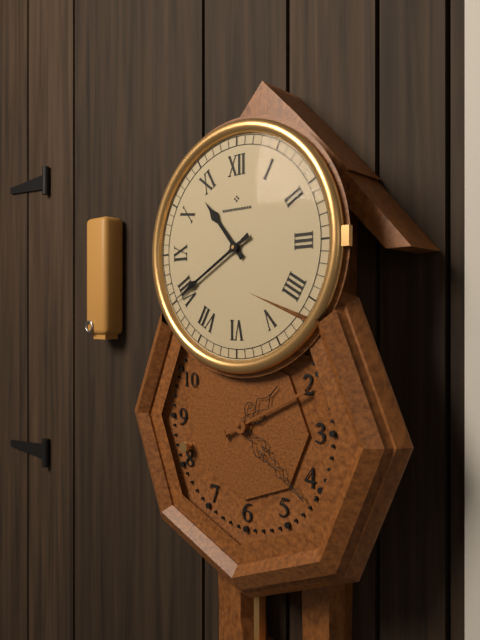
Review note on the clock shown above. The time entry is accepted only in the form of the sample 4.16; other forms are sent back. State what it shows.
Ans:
10.40
